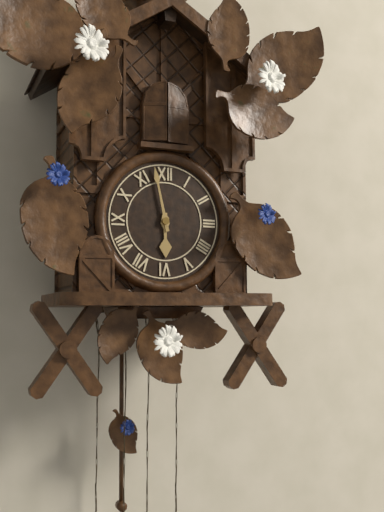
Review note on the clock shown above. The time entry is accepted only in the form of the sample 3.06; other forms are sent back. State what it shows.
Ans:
5.58
